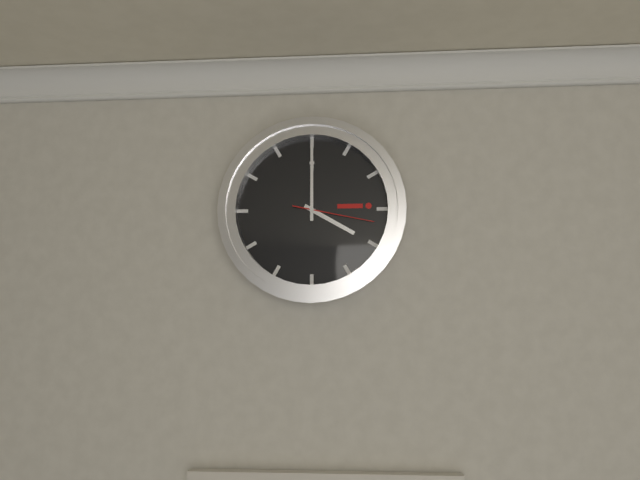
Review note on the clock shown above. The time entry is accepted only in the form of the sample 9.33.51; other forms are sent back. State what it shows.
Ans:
4.00.17
